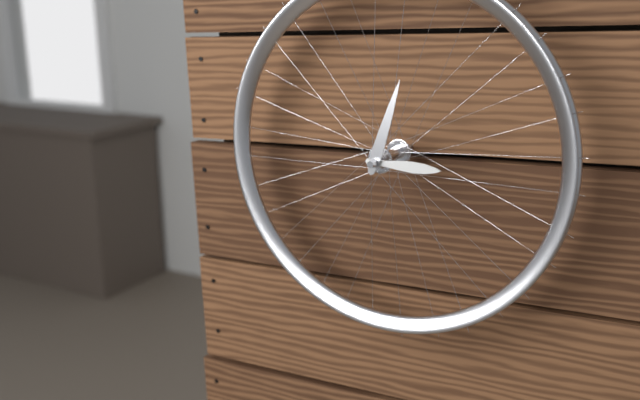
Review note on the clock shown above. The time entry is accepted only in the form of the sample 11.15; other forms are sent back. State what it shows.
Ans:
3.03
